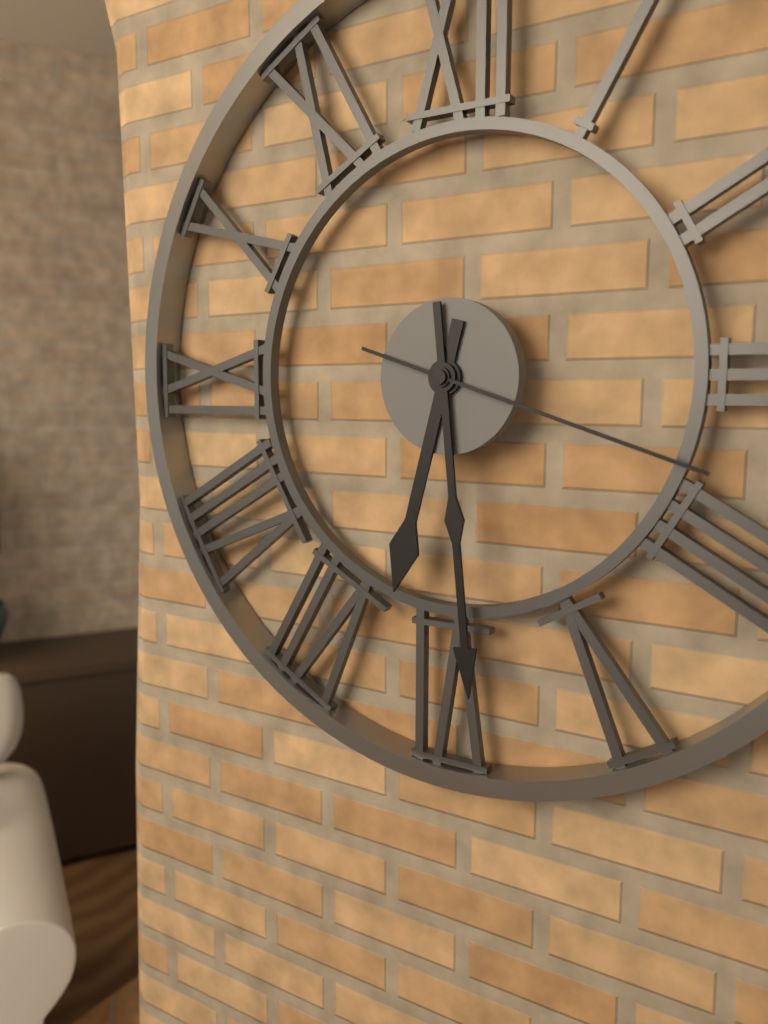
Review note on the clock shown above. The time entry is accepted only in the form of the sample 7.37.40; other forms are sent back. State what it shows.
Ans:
6.29.18
